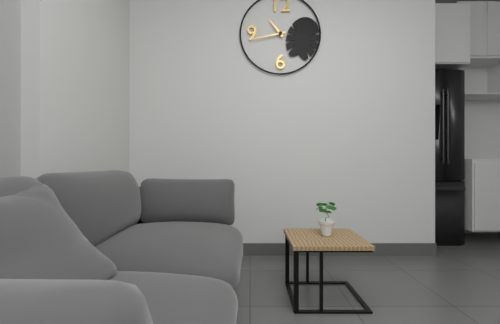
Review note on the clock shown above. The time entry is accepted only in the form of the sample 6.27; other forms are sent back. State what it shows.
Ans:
10.43
